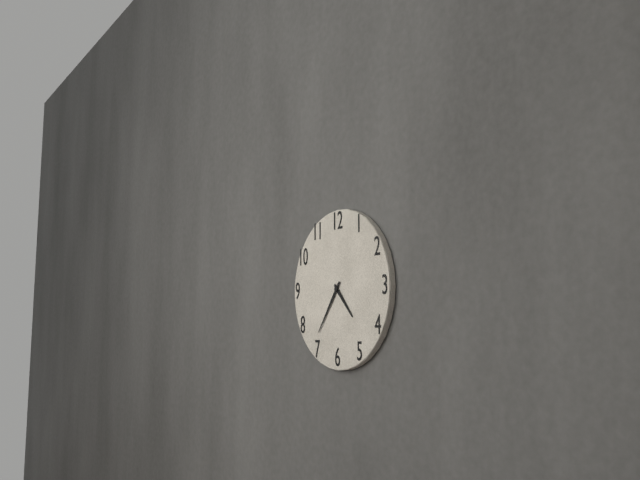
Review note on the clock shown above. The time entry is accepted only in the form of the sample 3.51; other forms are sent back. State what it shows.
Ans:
4.36
